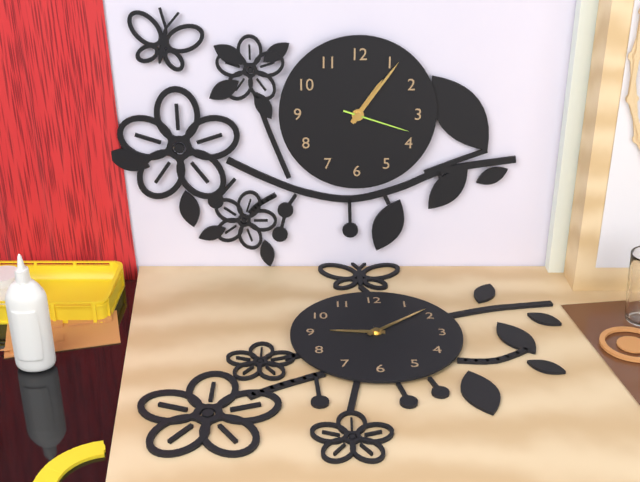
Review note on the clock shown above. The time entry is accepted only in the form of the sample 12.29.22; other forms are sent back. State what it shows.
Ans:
1.06.18
